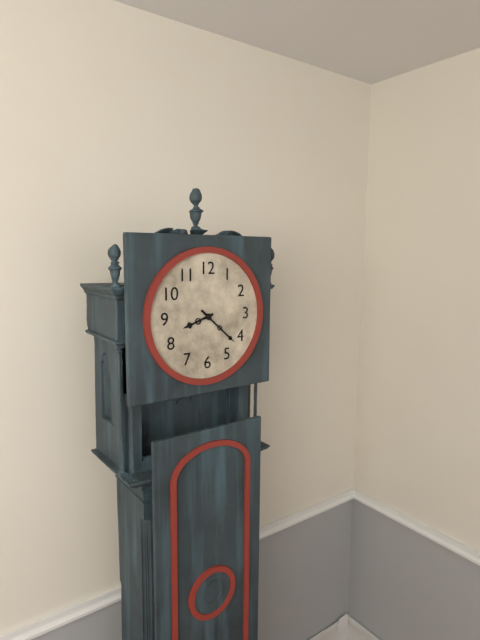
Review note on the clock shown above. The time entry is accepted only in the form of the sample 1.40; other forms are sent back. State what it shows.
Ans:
8.22
